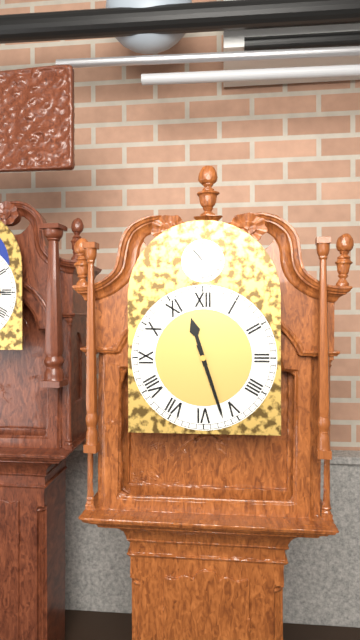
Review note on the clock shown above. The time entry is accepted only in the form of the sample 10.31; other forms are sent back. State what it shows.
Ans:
11.27
